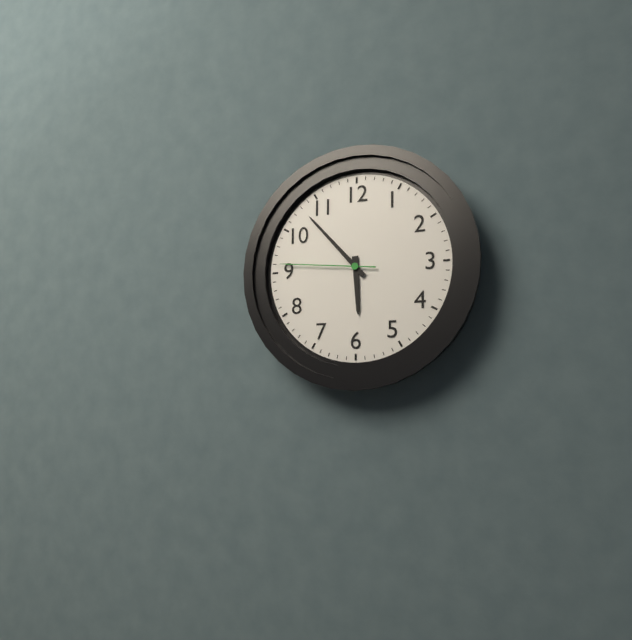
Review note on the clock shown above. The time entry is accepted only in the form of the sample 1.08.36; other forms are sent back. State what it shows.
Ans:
5.53.46
